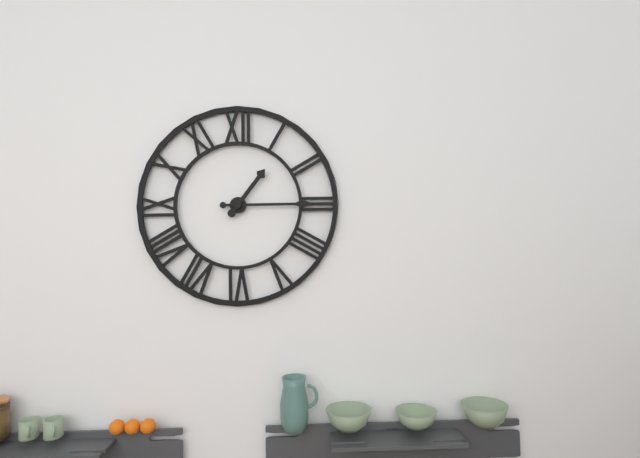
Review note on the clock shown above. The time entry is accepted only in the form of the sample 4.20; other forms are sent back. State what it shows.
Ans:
1.15
